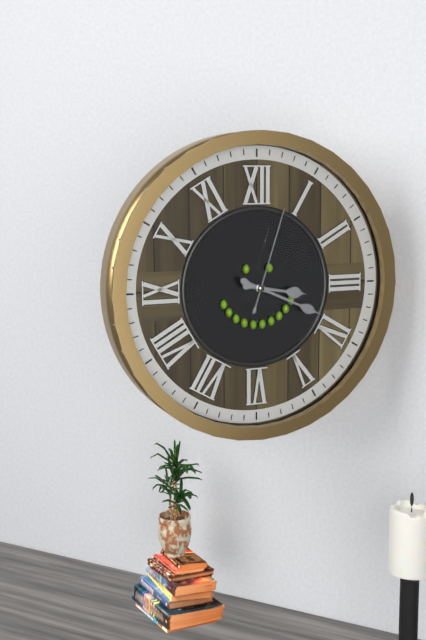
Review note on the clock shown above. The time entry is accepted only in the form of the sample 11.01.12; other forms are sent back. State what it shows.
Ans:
3.19.03
